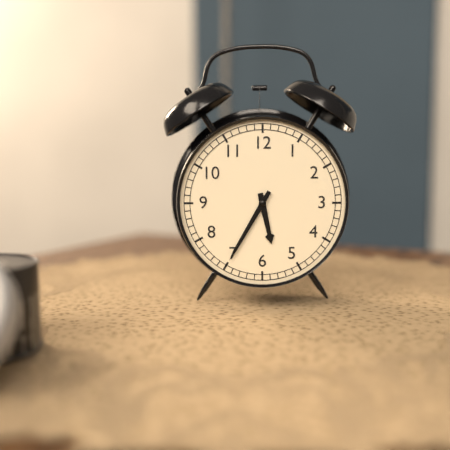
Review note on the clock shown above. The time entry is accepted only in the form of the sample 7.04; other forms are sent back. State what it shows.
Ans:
5.35
